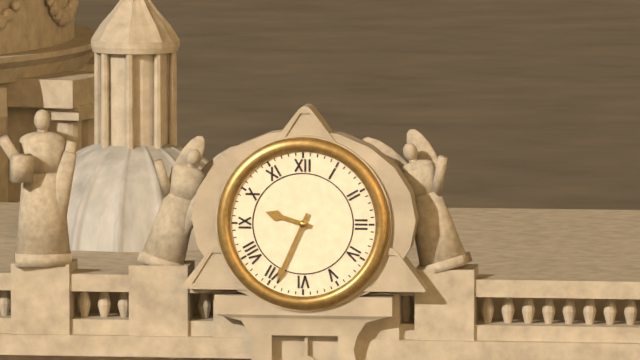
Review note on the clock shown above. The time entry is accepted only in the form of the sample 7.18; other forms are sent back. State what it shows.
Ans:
9.34
